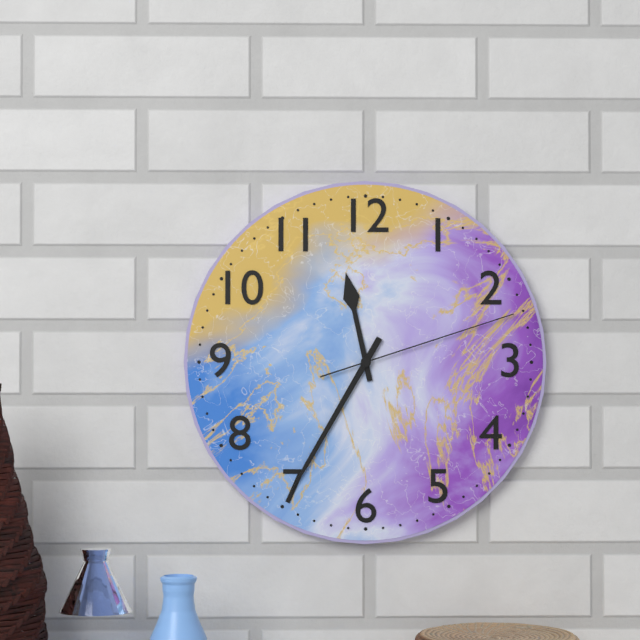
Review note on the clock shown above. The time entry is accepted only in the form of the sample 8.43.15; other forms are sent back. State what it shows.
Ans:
11.35.12
